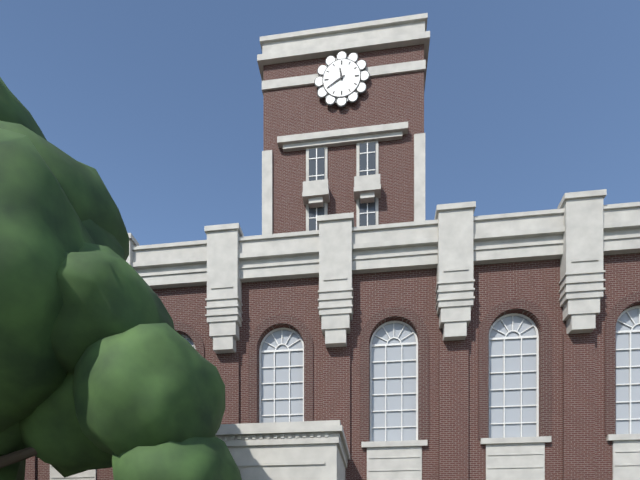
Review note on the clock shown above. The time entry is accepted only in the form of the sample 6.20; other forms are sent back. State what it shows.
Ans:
11.40
